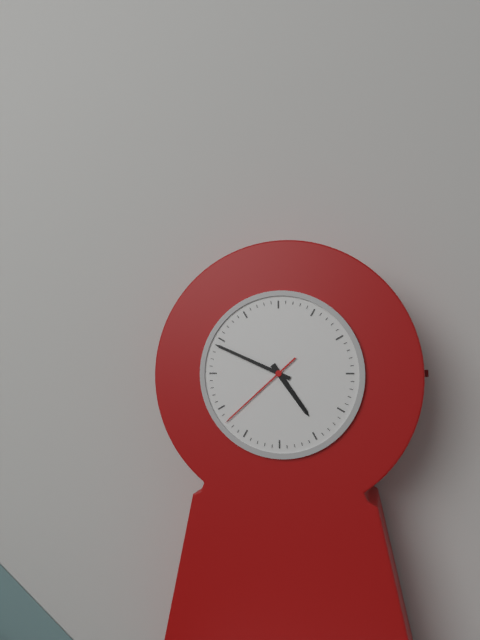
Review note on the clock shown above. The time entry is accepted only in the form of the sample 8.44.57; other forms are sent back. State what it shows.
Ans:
4.49.38
